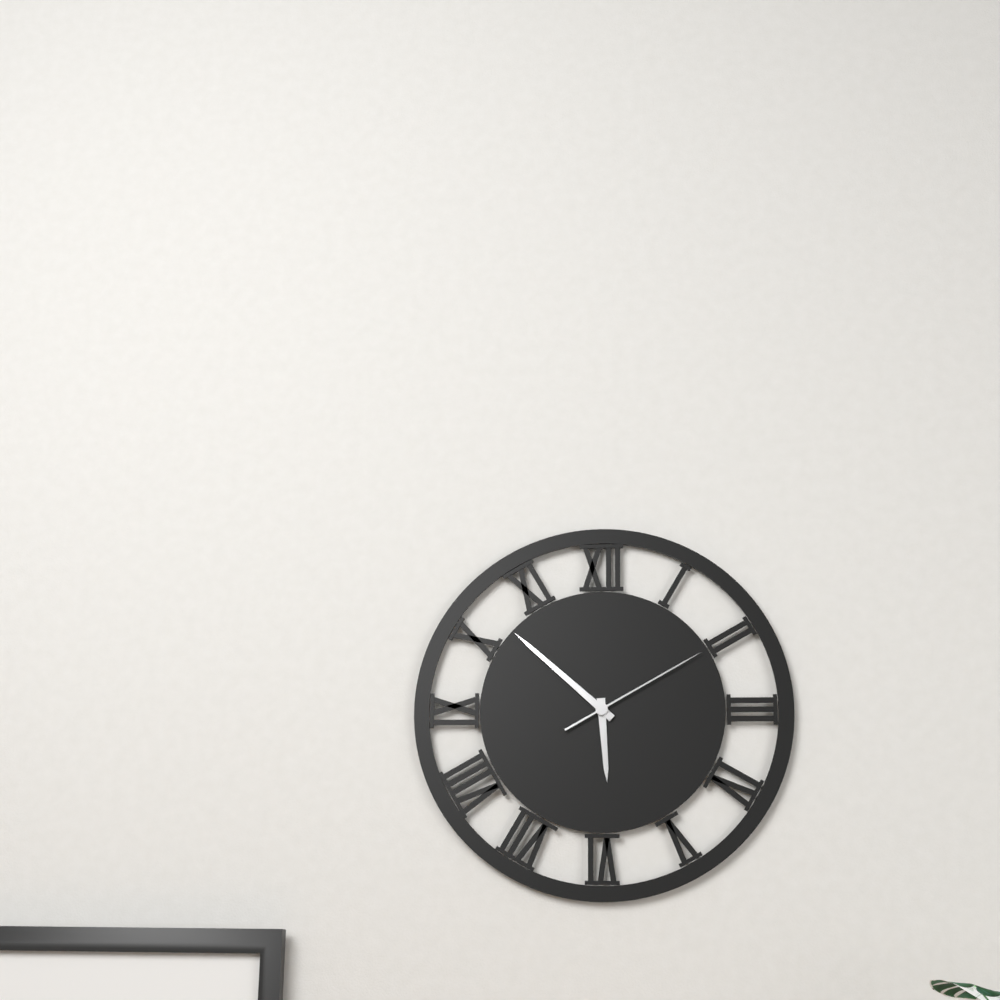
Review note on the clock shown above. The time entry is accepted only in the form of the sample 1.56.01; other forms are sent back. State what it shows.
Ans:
5.52.10
